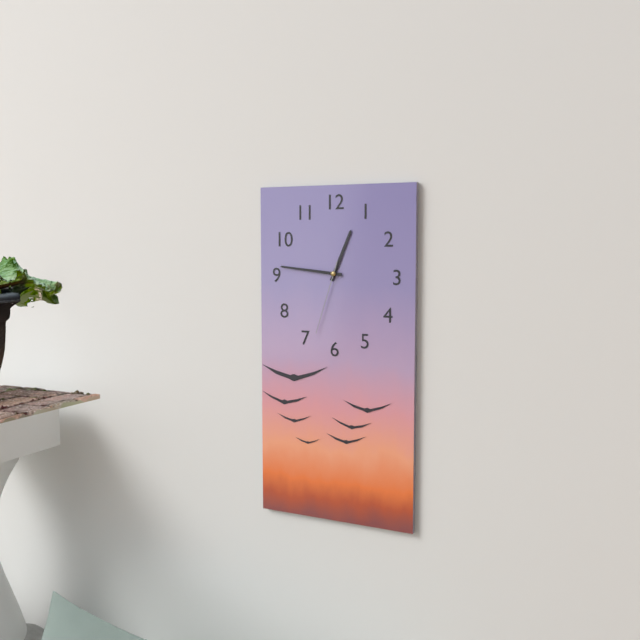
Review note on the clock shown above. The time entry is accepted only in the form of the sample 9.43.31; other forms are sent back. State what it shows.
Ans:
12.46.33
